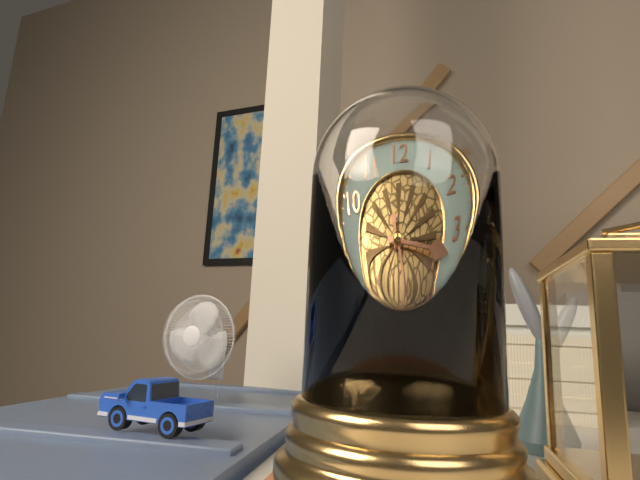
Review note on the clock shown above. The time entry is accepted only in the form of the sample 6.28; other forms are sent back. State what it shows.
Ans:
3.27
